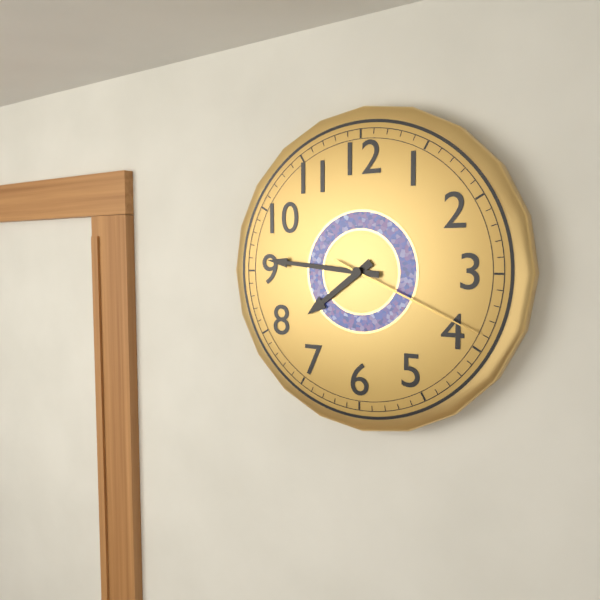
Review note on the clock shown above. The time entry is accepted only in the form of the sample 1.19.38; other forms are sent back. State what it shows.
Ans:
7.46.19
